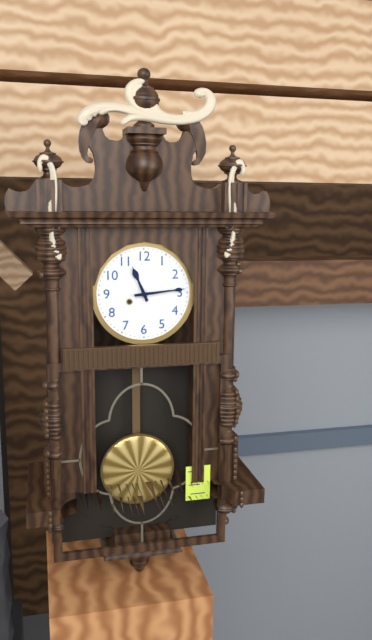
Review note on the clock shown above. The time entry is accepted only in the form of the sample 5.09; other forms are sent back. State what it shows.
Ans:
11.14
